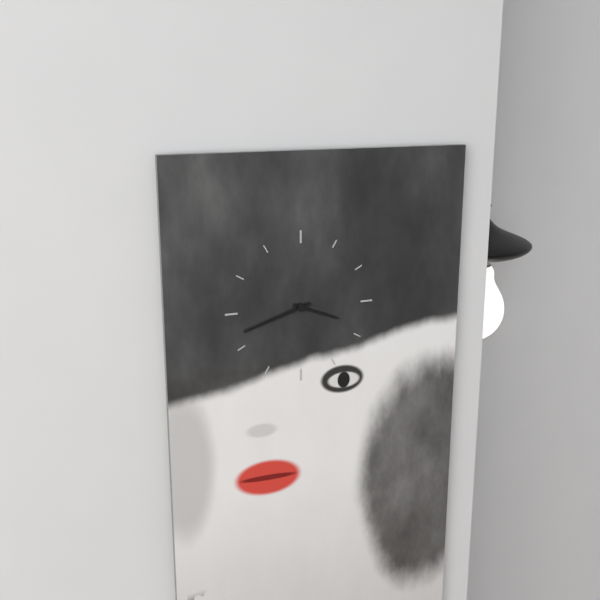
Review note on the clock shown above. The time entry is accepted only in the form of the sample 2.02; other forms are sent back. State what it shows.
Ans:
3.42
